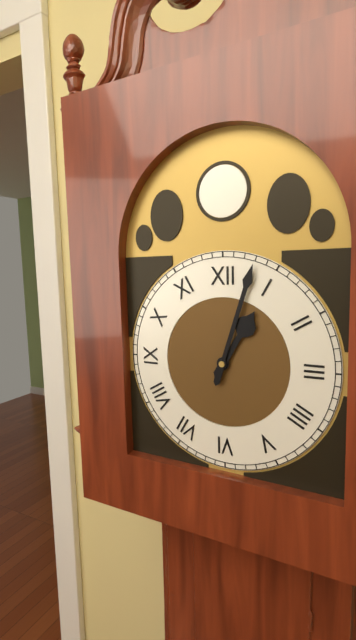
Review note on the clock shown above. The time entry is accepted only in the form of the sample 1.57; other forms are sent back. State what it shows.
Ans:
1.03
